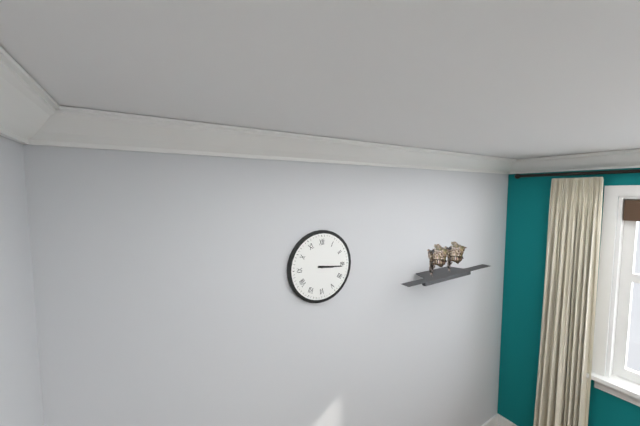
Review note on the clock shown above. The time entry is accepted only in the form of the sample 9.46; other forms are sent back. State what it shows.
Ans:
3.16
